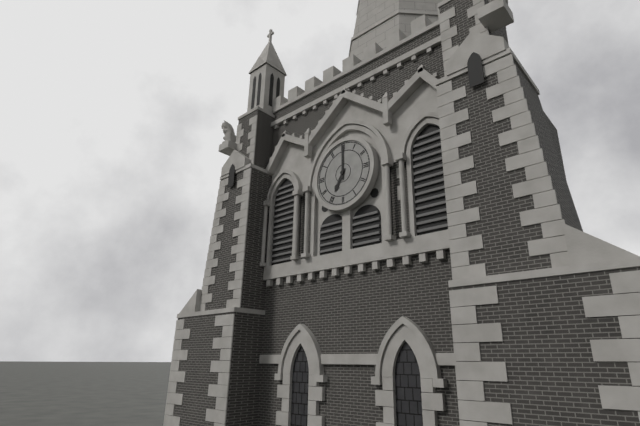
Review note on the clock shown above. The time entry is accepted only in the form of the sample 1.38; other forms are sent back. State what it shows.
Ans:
7.00
